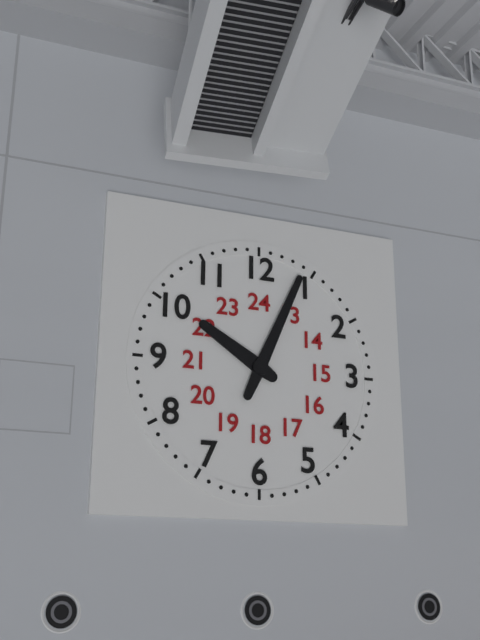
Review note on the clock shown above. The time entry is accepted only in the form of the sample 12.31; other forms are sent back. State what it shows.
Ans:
10.04
